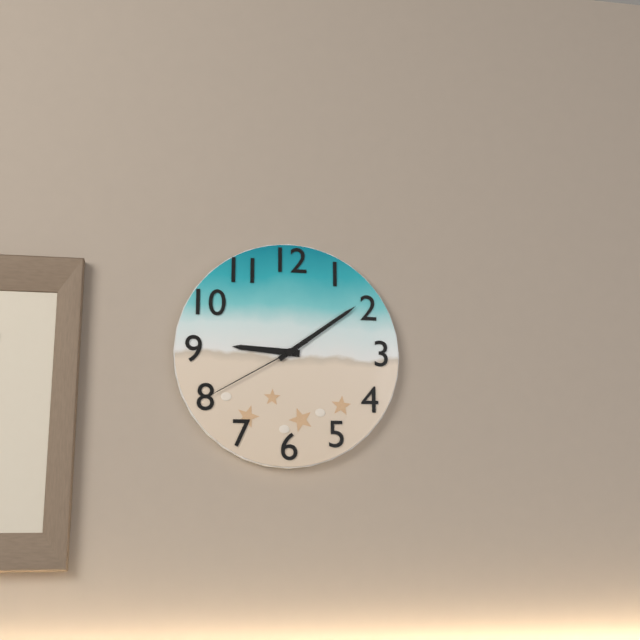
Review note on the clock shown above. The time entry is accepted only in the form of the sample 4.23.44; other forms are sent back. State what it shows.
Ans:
9.09.40
